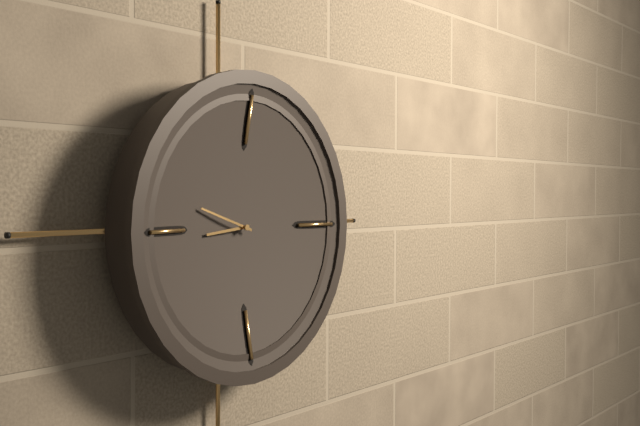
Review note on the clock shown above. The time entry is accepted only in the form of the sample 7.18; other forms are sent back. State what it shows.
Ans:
8.48
